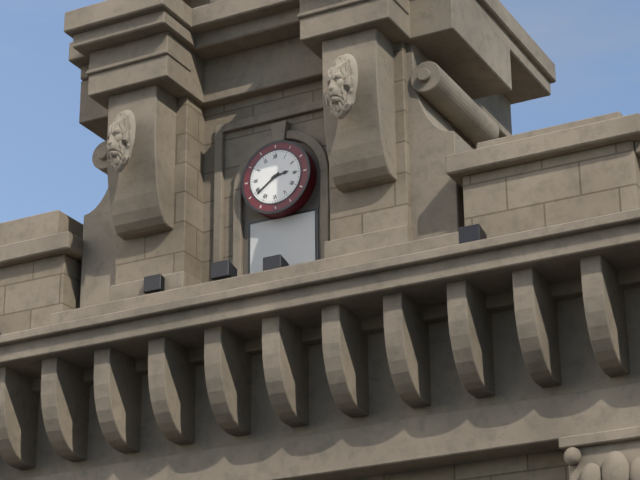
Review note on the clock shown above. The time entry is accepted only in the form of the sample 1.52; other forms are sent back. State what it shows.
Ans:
2.39
